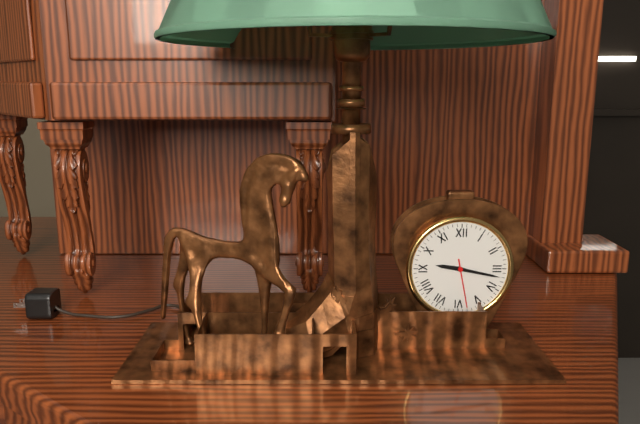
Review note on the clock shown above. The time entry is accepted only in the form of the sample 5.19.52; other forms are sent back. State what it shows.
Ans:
9.17.28
